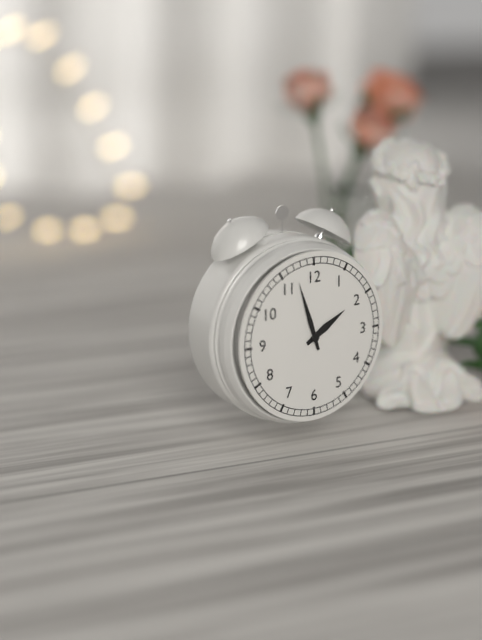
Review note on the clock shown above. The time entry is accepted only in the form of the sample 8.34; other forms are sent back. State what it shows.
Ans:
1.57
